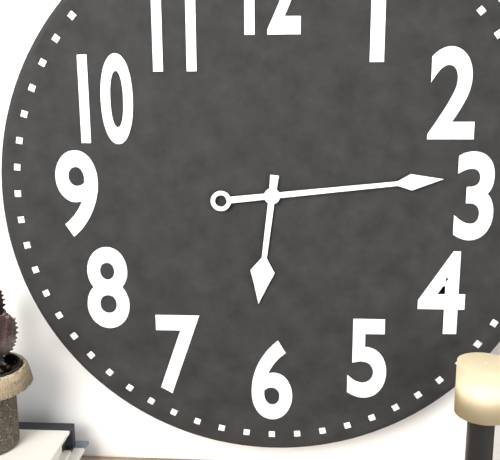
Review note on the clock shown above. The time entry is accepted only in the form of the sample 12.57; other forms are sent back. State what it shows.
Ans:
6.14
